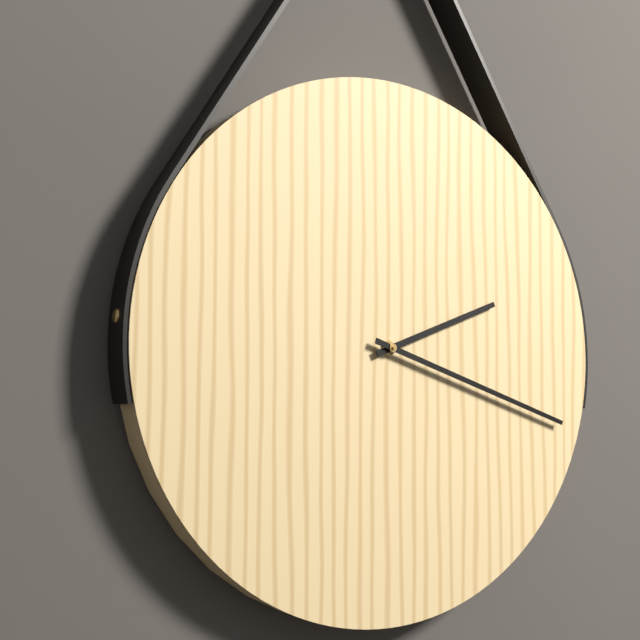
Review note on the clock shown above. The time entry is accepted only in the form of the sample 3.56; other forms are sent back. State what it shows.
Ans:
2.18
